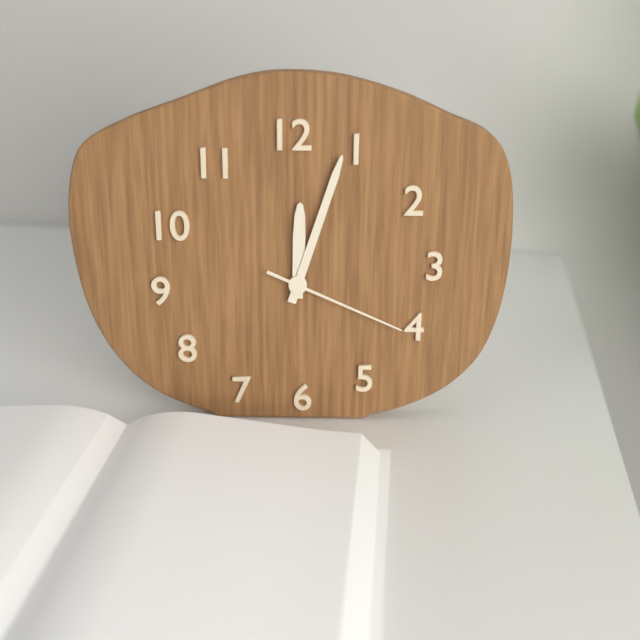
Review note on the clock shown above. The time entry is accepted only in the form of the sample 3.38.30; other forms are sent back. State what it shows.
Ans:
12.03.19
